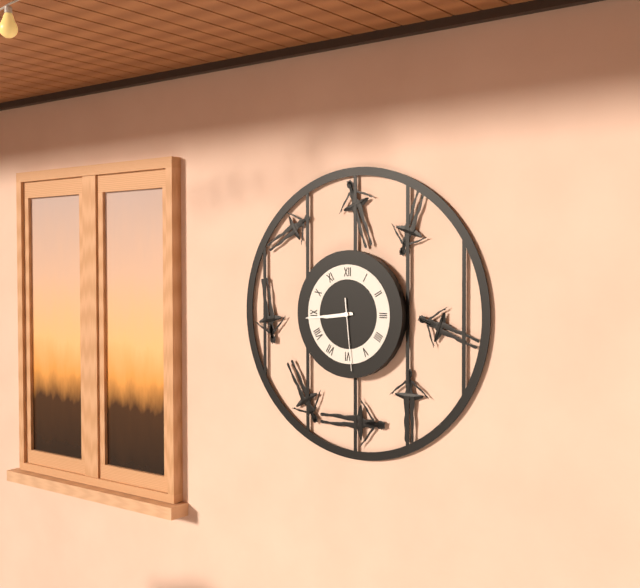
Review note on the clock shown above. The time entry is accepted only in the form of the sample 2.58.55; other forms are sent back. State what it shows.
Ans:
8.44.29
